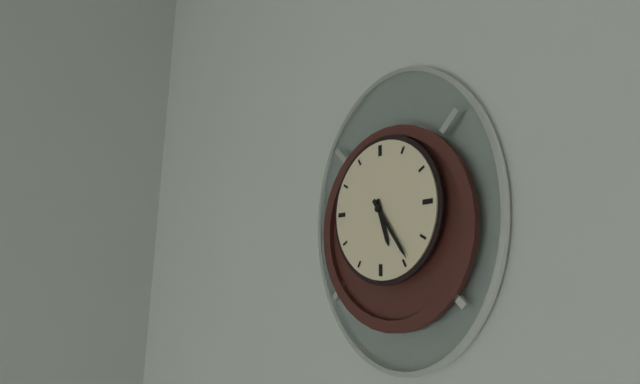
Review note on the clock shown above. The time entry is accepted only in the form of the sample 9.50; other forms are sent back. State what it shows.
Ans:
5.24
